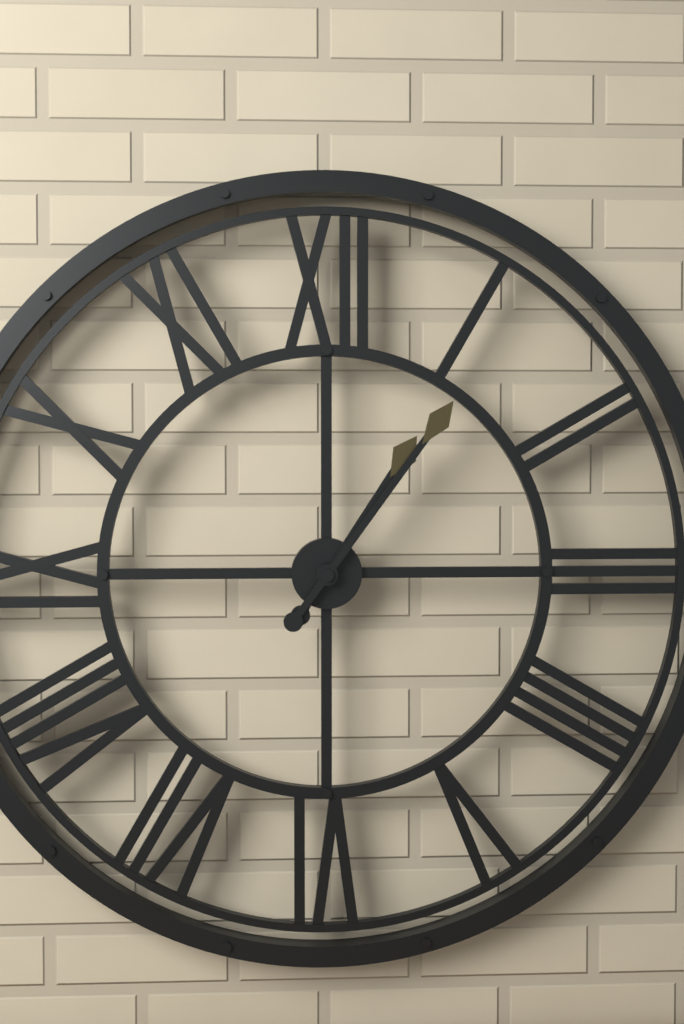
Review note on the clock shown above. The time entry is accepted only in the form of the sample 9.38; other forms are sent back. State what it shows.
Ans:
1.06
